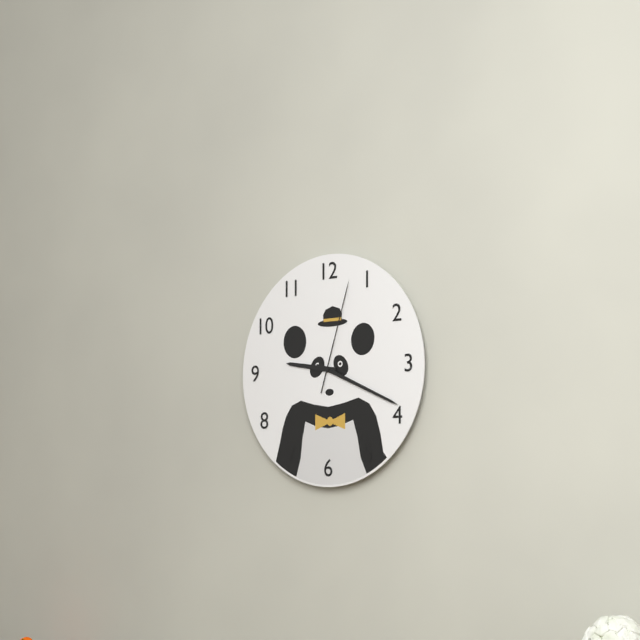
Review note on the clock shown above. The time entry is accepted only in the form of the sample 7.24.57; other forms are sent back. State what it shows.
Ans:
9.19.03
